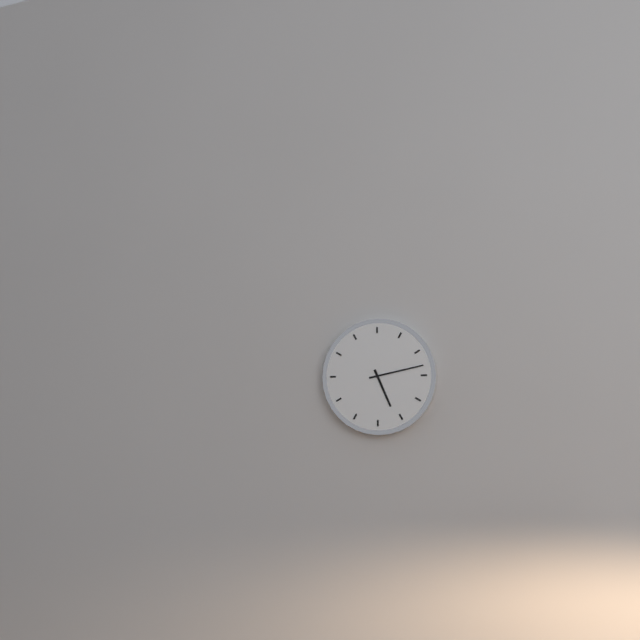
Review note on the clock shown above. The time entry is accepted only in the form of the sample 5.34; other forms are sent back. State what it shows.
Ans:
5.13
